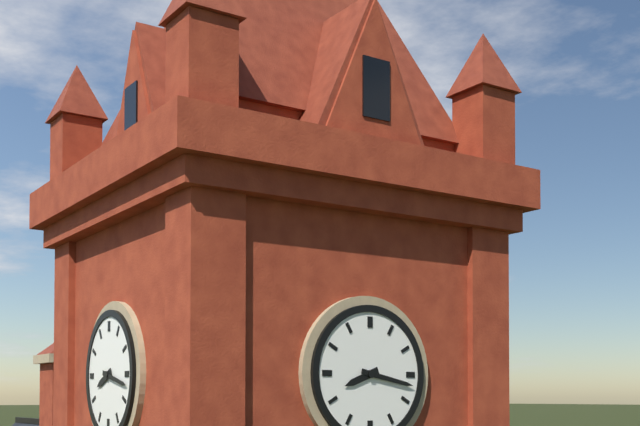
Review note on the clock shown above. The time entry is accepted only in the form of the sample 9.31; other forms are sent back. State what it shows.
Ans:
8.17
